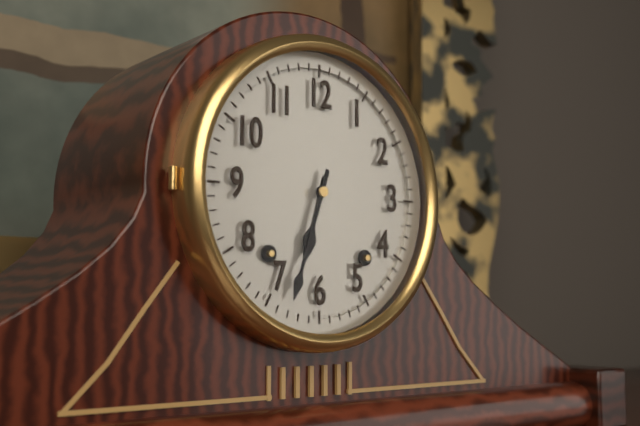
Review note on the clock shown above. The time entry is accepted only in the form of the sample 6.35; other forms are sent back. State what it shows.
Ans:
6.33
